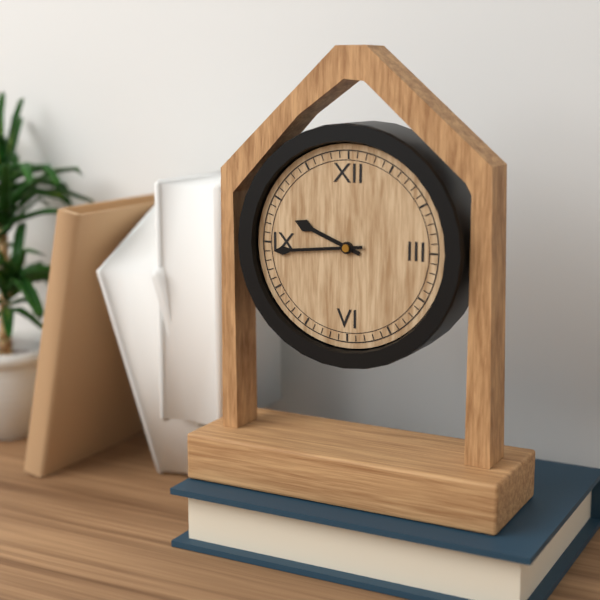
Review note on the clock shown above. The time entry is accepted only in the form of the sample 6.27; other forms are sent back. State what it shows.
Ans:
9.44
